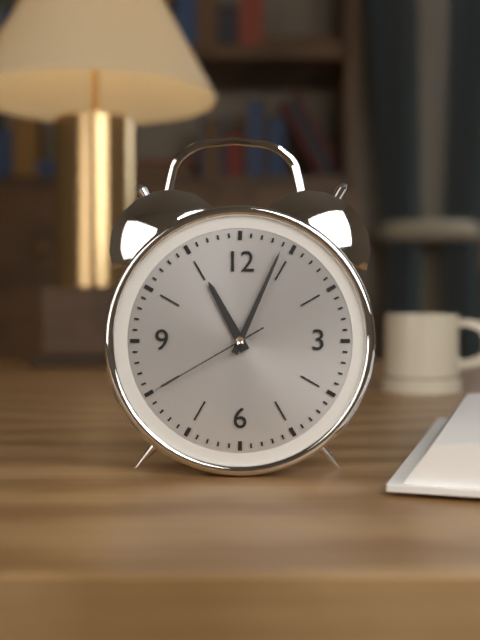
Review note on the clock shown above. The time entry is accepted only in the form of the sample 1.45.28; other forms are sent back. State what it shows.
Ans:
11.04.40
